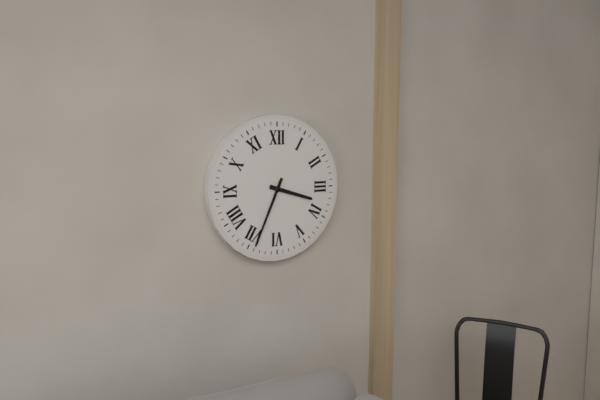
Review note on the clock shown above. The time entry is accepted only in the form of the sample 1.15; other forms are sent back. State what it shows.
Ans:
3.34
